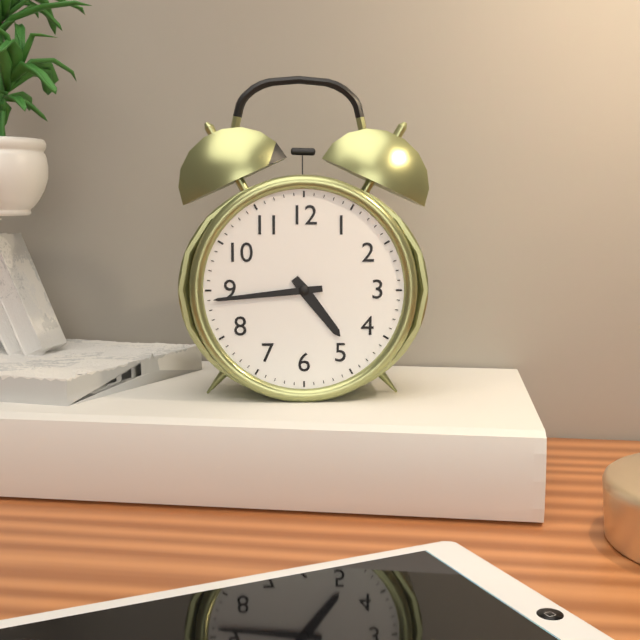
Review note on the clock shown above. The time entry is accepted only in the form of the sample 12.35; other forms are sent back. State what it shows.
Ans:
4.44
